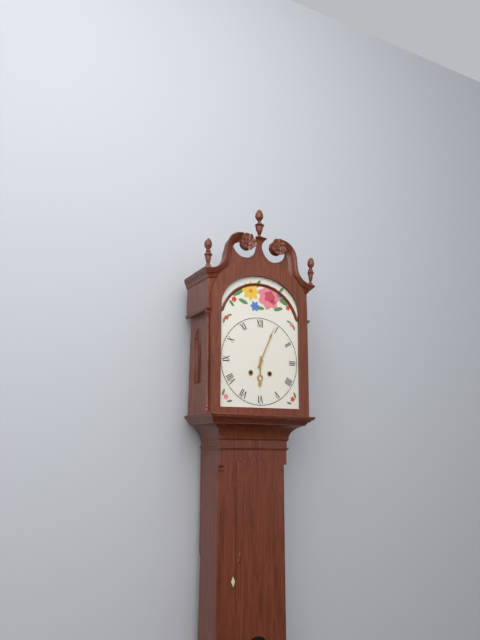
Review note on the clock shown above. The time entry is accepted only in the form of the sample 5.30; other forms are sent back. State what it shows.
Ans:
6.04
